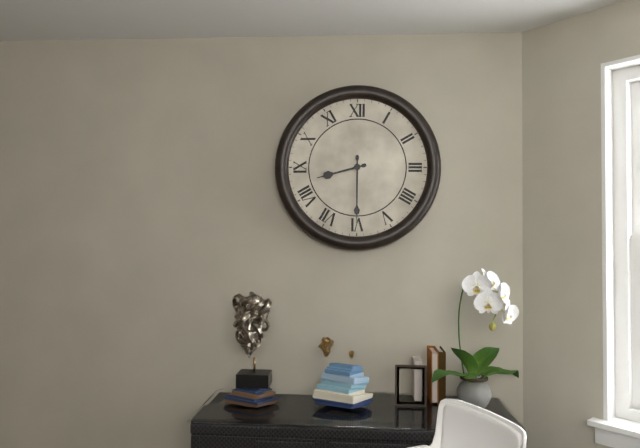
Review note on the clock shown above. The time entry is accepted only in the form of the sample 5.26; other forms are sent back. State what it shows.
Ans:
8.30
